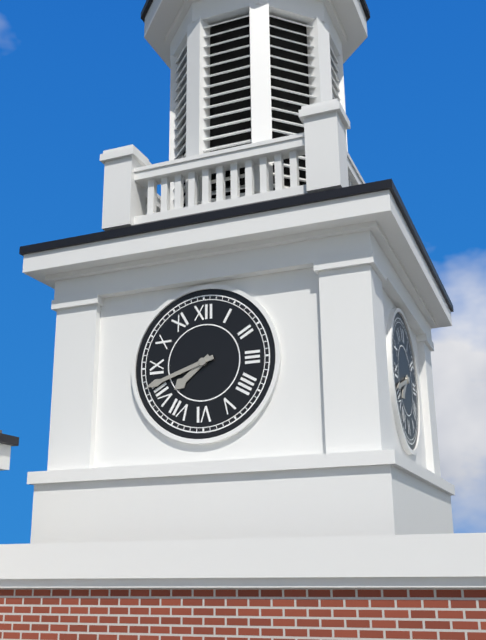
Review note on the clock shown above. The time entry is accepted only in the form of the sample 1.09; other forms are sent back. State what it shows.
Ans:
7.42
